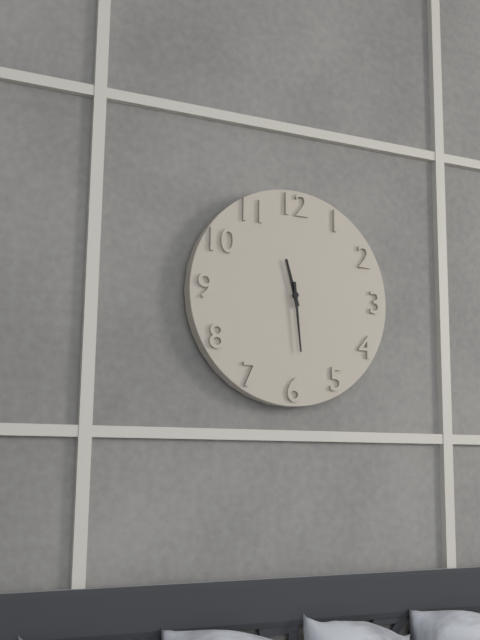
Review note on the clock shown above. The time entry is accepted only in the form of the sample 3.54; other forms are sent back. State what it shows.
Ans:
11.29
